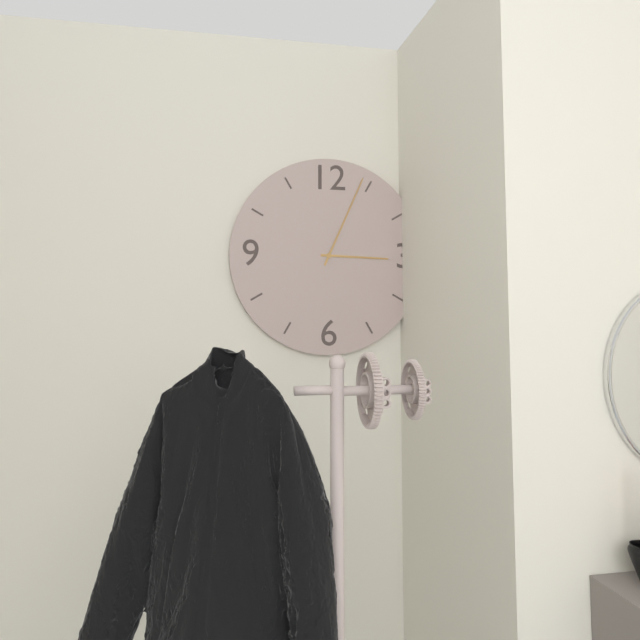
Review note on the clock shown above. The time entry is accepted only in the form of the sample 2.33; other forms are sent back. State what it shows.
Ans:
3.04
